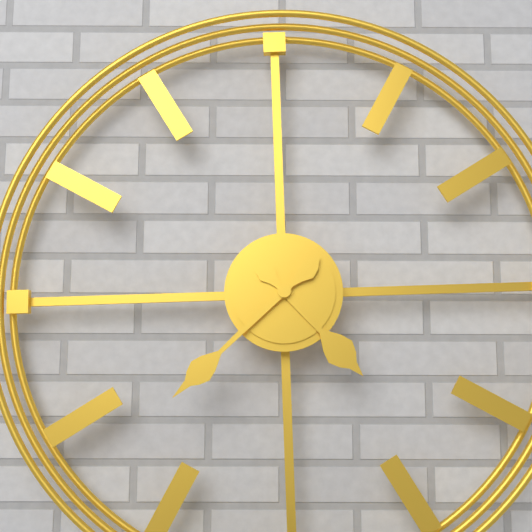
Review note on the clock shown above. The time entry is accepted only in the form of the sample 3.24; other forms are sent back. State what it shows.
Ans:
4.38
